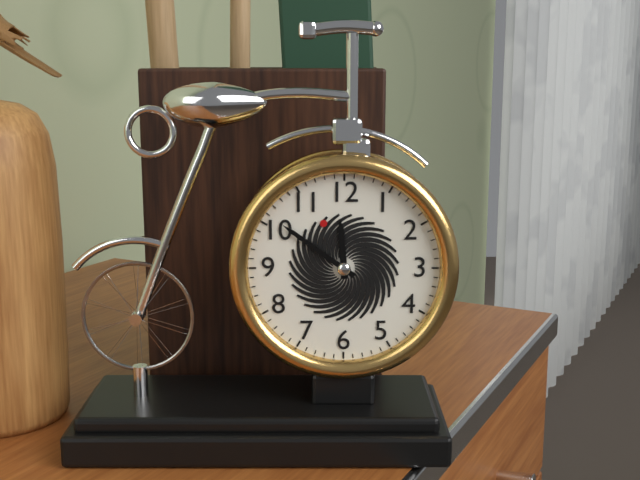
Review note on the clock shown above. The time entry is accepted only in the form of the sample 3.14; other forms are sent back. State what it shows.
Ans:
11.51
